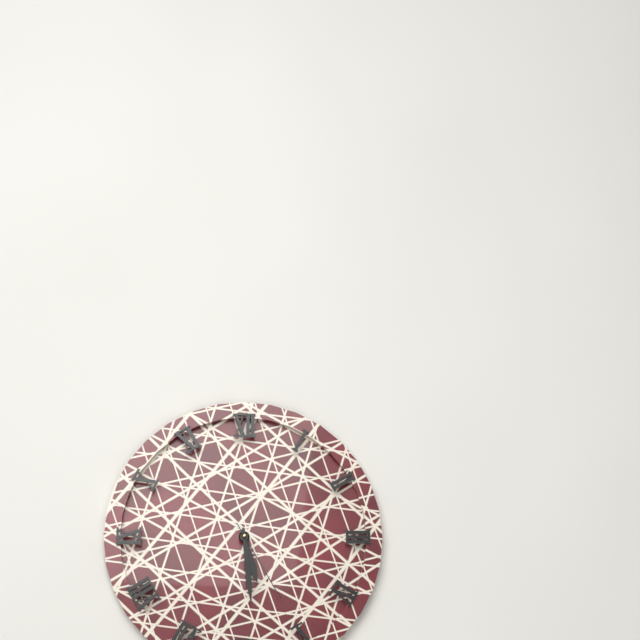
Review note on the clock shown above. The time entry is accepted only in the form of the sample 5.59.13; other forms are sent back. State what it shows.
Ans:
5.29.25
